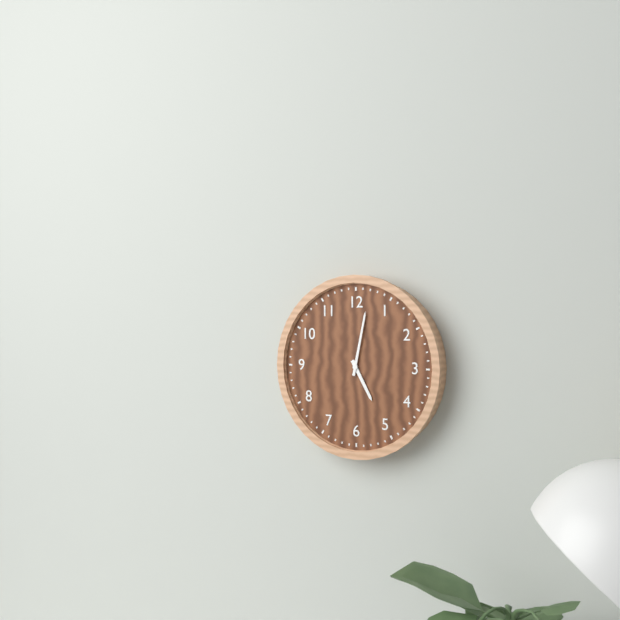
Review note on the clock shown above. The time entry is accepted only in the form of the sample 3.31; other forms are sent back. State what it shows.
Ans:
5.02
